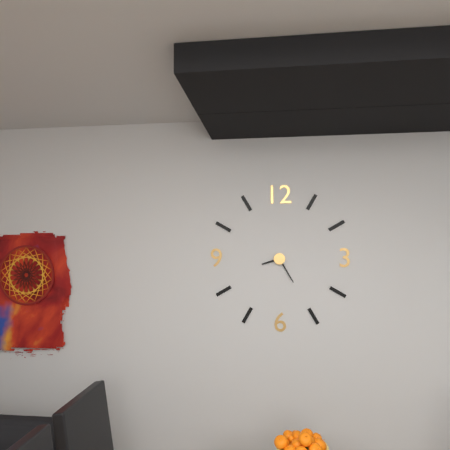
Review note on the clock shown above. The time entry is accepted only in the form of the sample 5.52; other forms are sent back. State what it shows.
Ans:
8.25
